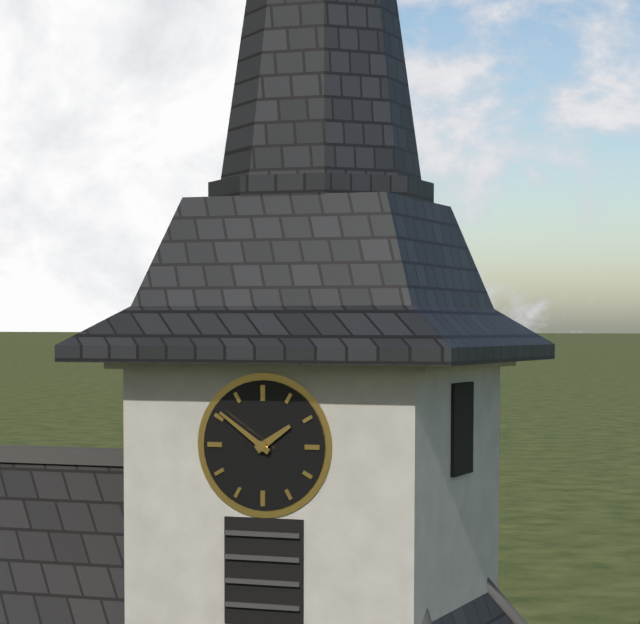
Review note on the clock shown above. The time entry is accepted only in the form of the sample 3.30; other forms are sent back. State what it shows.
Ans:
1.51
